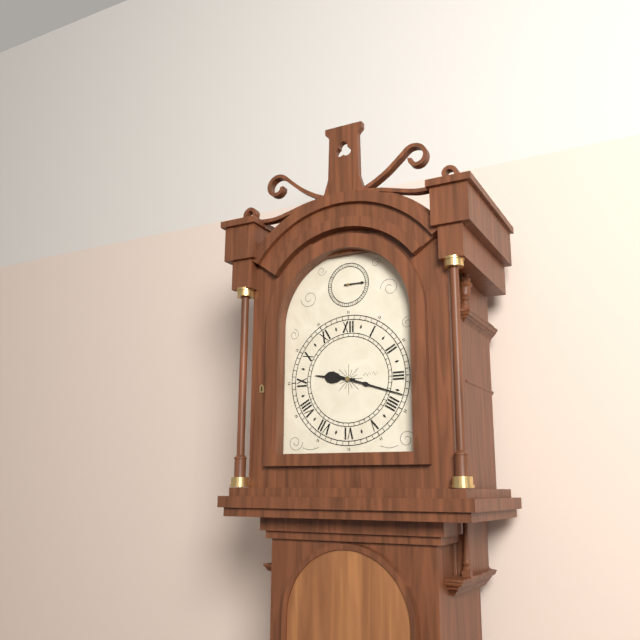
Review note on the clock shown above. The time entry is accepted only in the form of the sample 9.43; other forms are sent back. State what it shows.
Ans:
9.18
